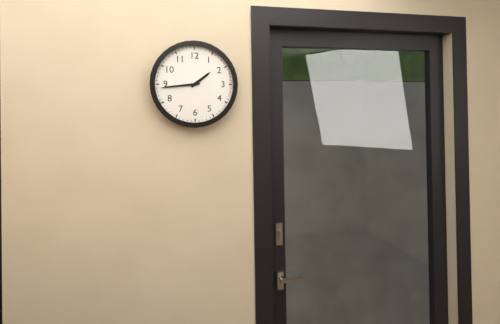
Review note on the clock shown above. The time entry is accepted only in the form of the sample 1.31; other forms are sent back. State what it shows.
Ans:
1.44
